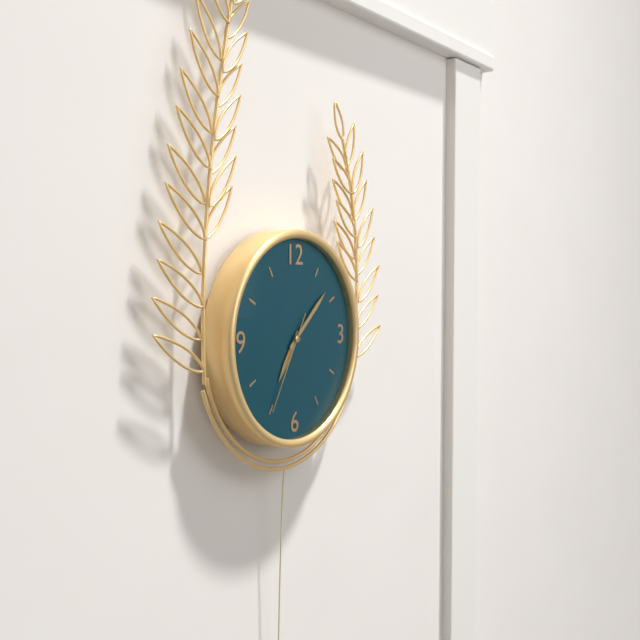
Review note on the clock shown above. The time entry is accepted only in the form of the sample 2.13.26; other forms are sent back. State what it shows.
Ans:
7.08.35
